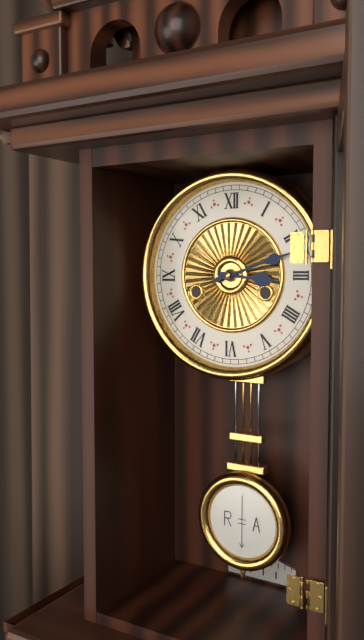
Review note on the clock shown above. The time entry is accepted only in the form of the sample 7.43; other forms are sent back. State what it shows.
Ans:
3.12
